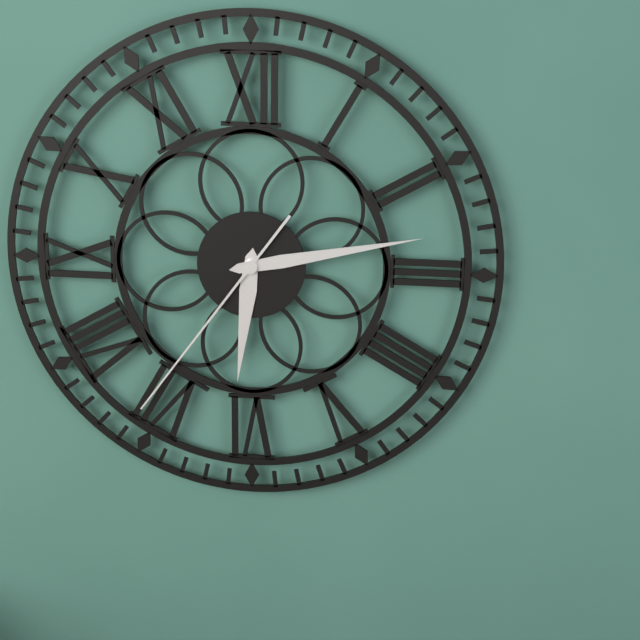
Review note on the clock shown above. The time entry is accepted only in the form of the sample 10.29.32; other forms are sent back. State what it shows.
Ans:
6.13.36
